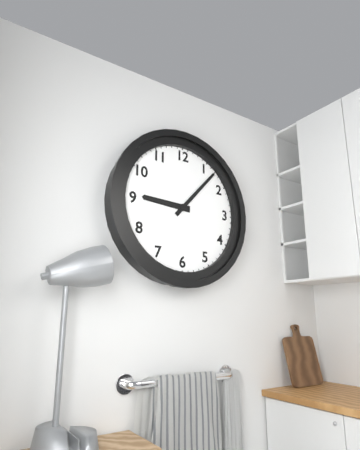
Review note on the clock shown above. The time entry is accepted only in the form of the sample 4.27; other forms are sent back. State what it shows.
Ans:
9.07
